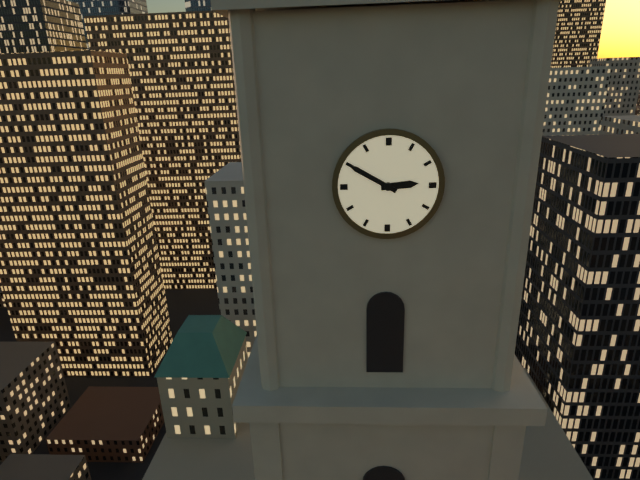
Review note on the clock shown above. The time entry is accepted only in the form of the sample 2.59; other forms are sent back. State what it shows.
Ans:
2.50
